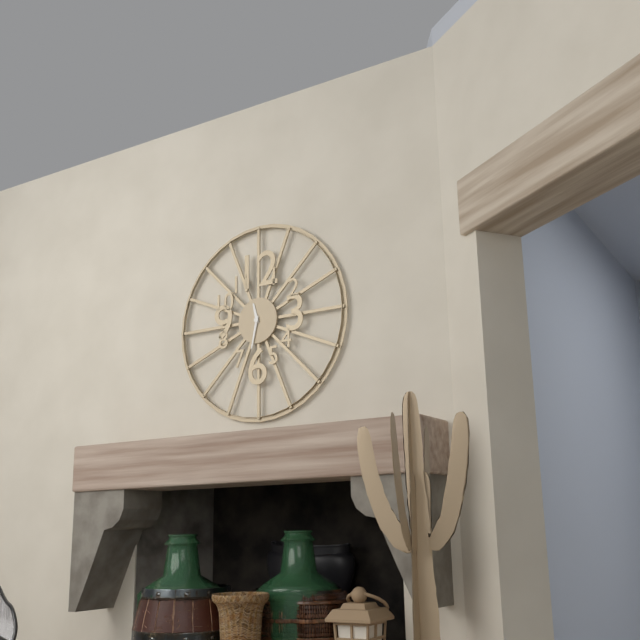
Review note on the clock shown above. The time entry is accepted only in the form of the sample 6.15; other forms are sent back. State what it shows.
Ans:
11.32
